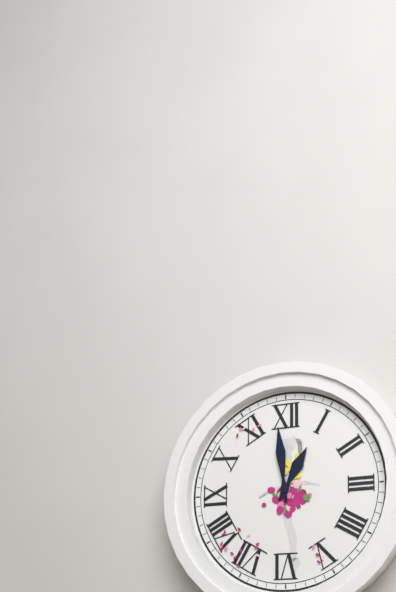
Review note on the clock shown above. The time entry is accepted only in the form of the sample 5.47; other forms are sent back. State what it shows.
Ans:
12.59
